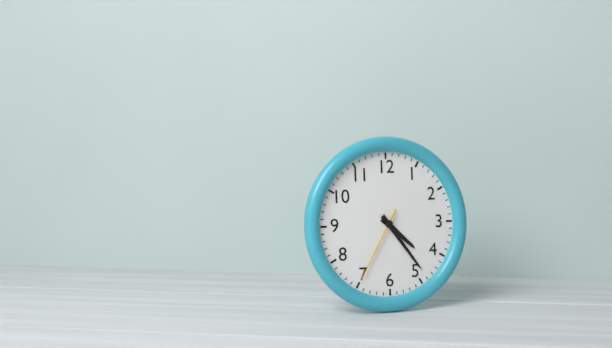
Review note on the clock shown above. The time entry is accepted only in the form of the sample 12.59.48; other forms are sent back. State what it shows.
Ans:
4.24.35
